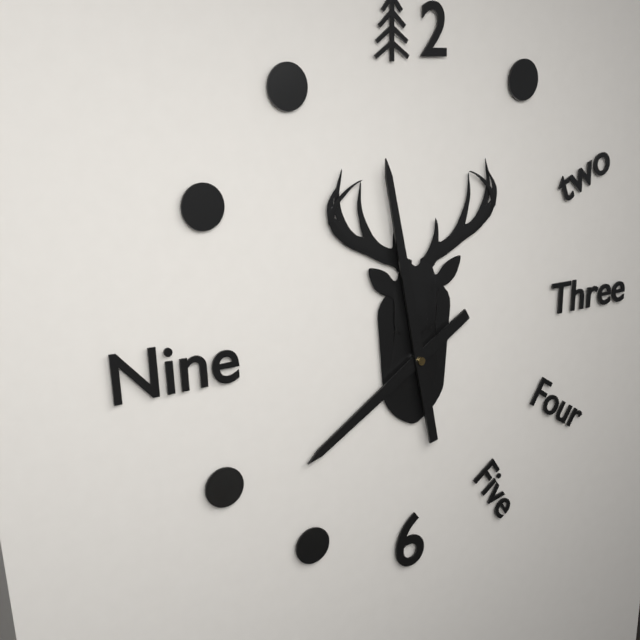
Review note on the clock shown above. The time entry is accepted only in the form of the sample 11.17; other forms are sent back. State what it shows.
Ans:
7.58
